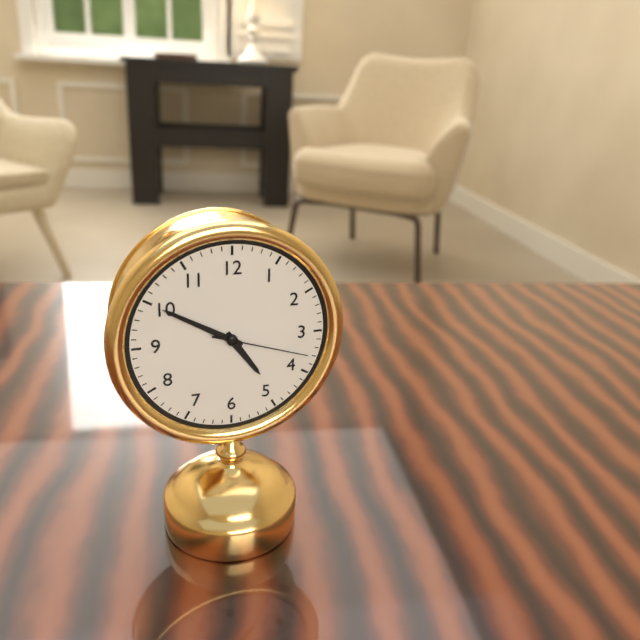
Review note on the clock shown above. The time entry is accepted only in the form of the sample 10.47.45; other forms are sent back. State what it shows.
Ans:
4.50.18
